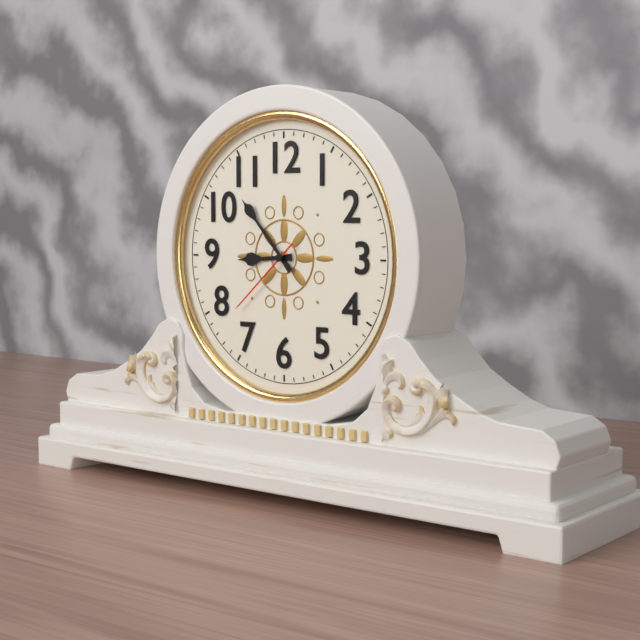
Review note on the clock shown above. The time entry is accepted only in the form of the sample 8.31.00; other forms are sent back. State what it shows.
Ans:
8.53.38
